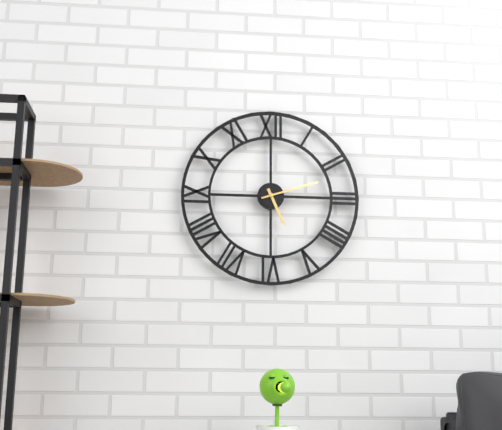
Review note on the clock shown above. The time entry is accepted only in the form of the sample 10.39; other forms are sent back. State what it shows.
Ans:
5.12
